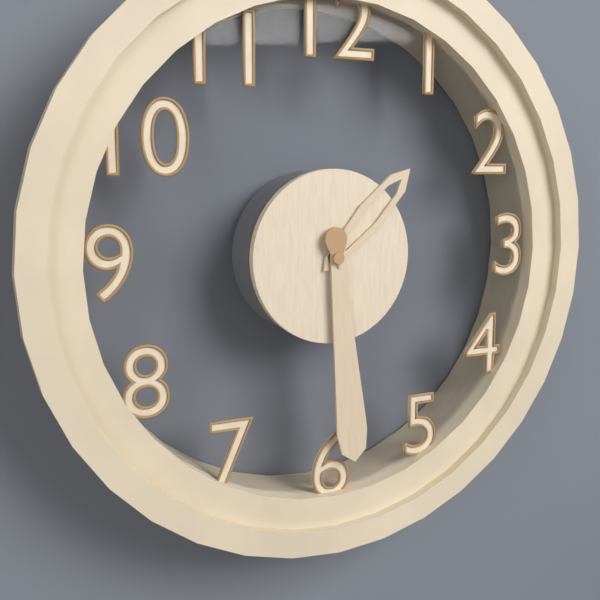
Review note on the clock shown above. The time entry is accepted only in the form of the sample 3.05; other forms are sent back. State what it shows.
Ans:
1.29
